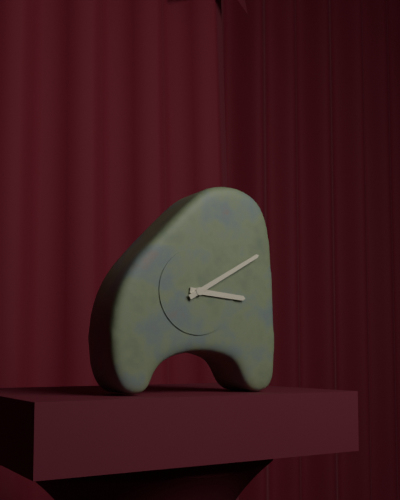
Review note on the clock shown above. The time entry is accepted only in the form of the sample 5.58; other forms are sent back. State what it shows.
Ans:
3.10
